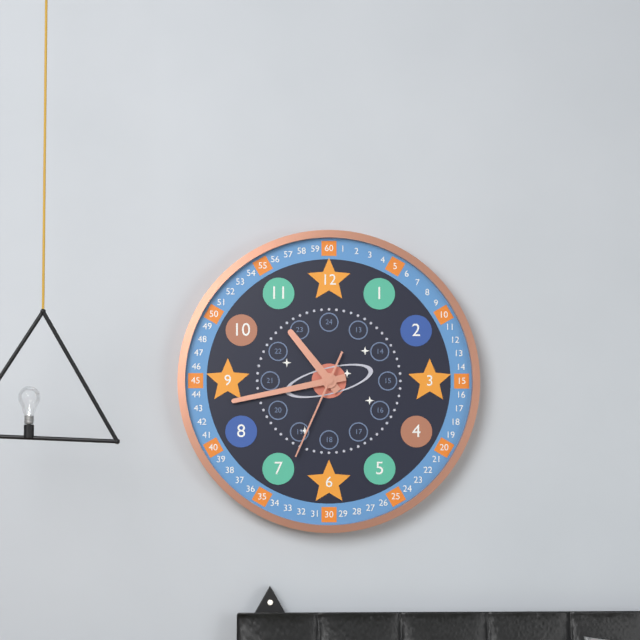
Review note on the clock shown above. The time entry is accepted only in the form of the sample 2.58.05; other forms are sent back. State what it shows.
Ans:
10.43.34
